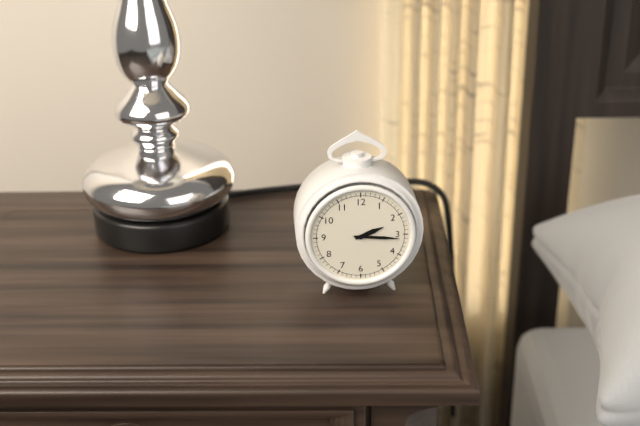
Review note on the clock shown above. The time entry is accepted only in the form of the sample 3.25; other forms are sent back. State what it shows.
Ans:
2.16
